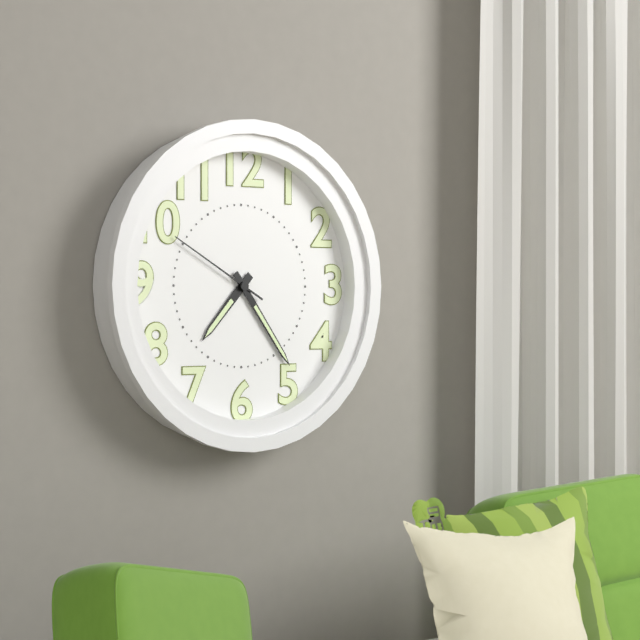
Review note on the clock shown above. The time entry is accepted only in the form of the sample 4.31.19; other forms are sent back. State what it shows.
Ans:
7.24.50
